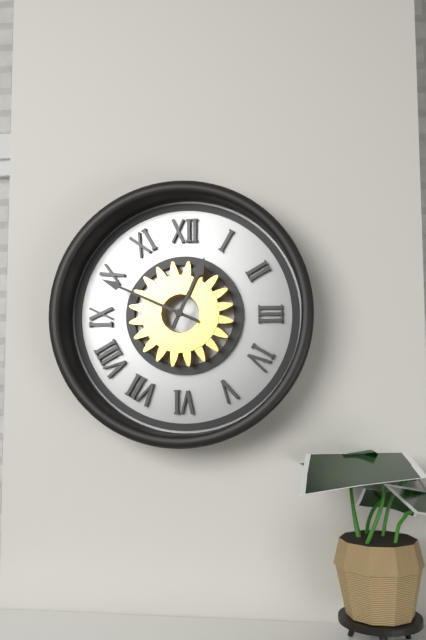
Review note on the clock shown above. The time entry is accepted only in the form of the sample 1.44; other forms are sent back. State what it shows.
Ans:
12.49
